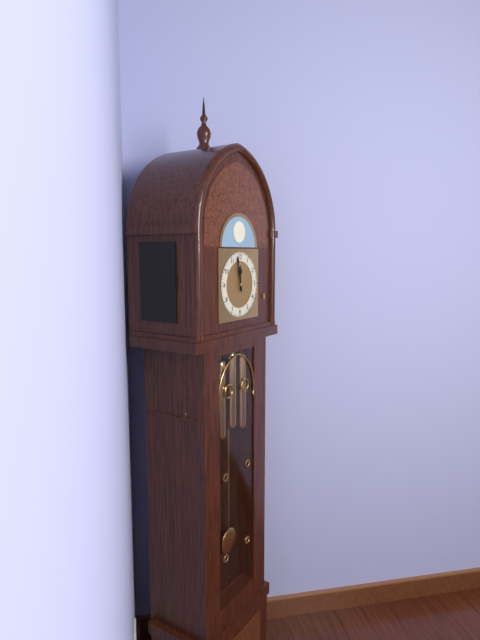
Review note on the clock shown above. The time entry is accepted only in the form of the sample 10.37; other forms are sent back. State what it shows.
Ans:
11.58
